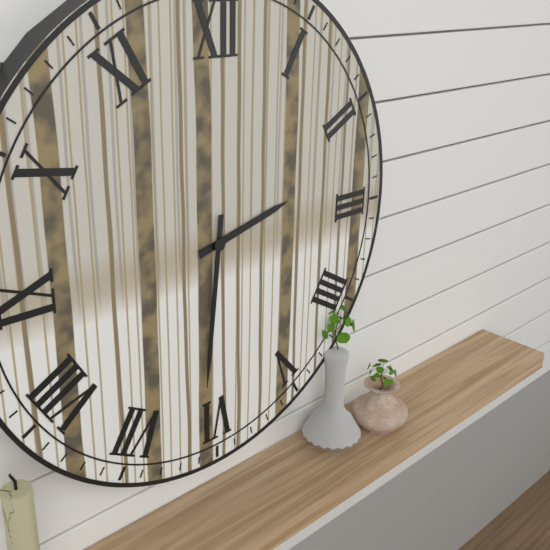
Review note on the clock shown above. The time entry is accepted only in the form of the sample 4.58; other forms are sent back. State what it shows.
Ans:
2.31
